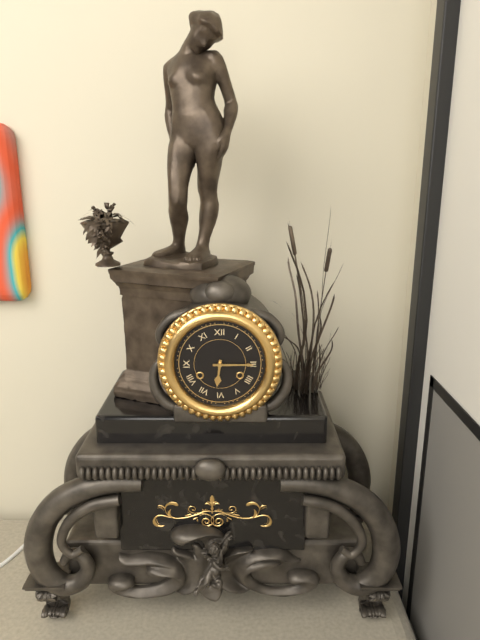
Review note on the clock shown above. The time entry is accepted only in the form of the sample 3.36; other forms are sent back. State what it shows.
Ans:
6.15
